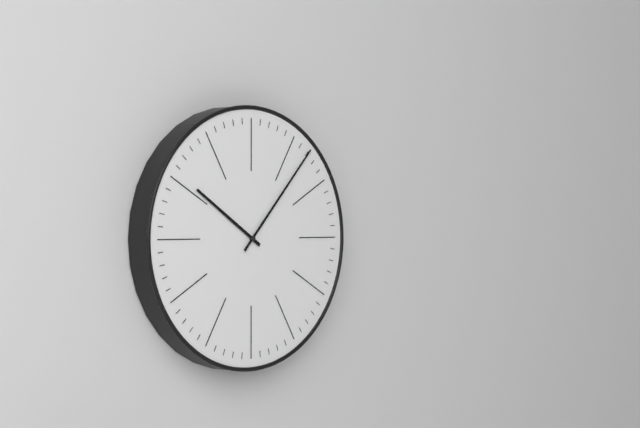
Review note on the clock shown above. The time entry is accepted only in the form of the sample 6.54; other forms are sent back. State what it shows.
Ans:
10.07
